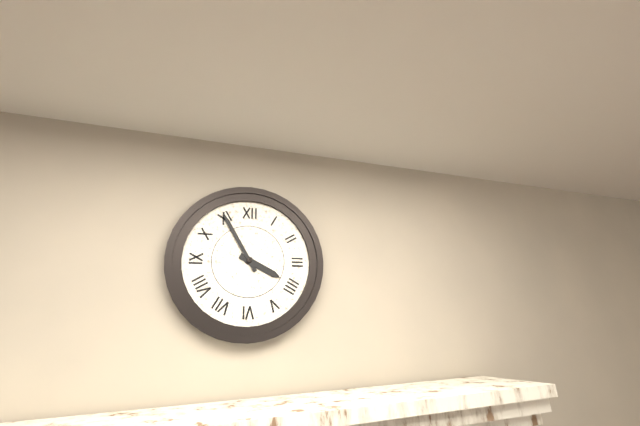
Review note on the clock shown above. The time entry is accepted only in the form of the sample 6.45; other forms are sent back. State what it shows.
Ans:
3.55
